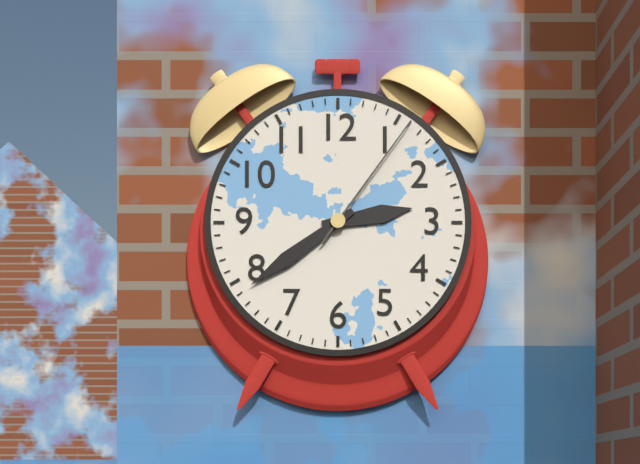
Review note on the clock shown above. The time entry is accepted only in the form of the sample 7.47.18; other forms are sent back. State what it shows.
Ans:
2.39.06
